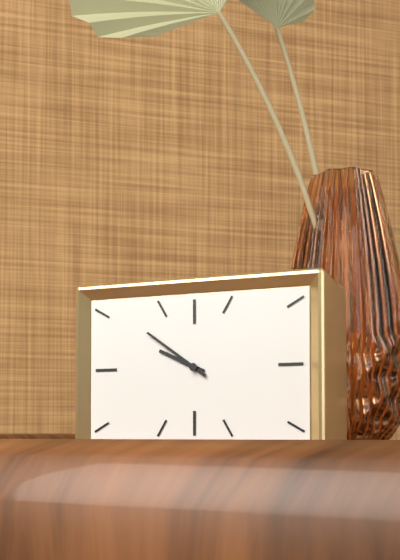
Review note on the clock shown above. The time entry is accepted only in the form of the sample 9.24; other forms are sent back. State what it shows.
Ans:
9.51
